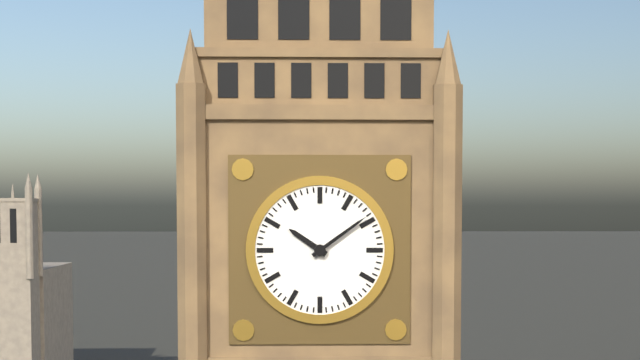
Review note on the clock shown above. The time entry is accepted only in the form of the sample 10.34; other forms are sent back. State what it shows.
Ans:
10.09
